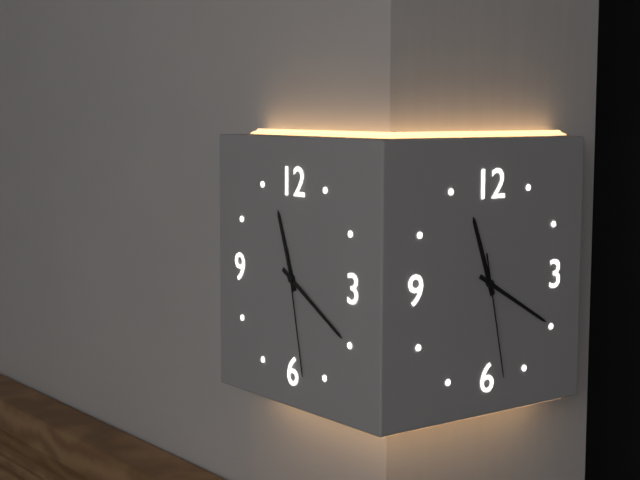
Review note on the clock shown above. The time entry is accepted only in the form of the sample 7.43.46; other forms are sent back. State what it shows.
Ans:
11.20.28
